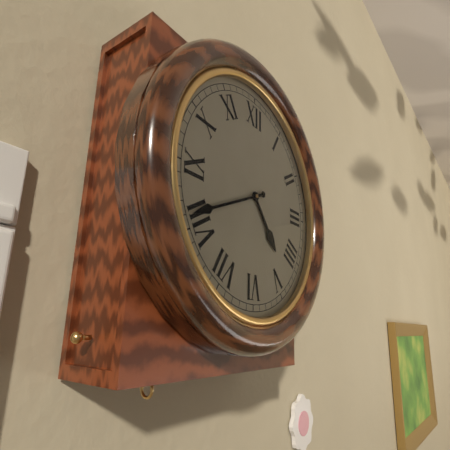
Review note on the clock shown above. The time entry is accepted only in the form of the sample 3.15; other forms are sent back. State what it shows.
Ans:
4.41
